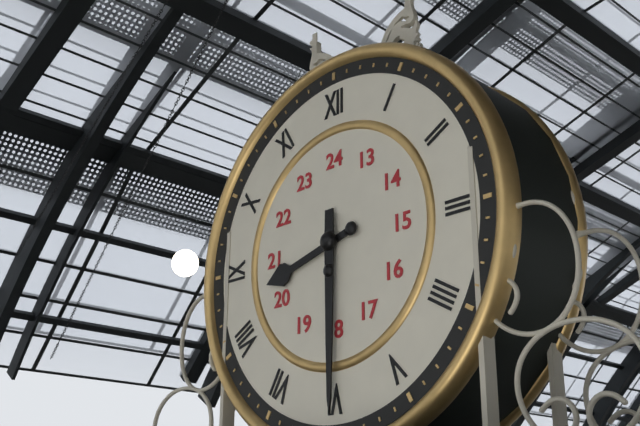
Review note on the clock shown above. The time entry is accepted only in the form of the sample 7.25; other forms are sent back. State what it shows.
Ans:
8.30
